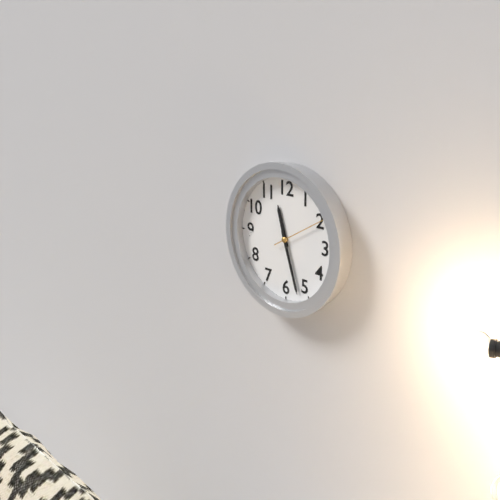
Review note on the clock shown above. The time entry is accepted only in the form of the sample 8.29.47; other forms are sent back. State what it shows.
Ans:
11.27.10
